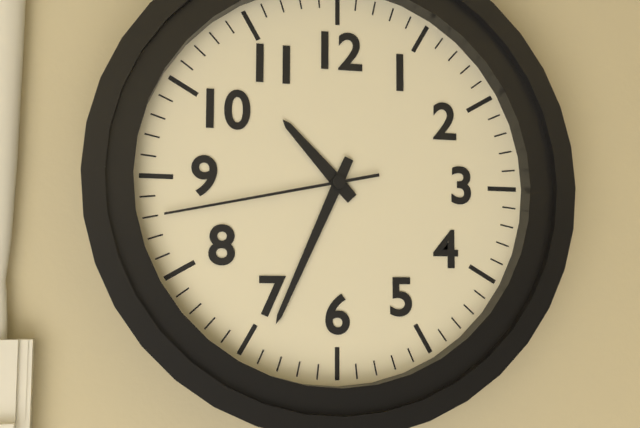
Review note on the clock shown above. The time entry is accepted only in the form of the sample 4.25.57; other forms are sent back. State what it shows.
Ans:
10.34.43
